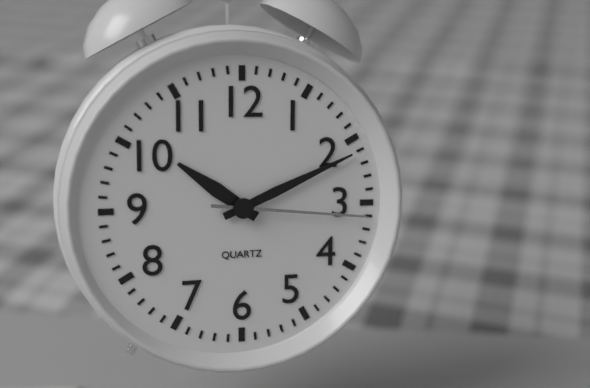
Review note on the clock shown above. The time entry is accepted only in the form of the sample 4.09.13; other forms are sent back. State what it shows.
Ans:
10.11.16
